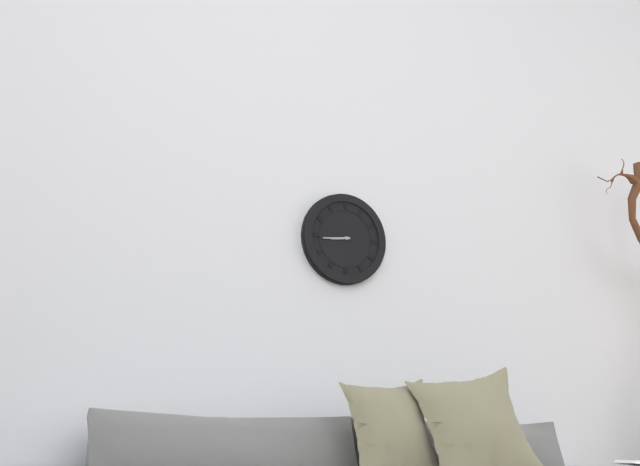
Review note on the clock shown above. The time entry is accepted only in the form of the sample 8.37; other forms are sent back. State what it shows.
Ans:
8.44
